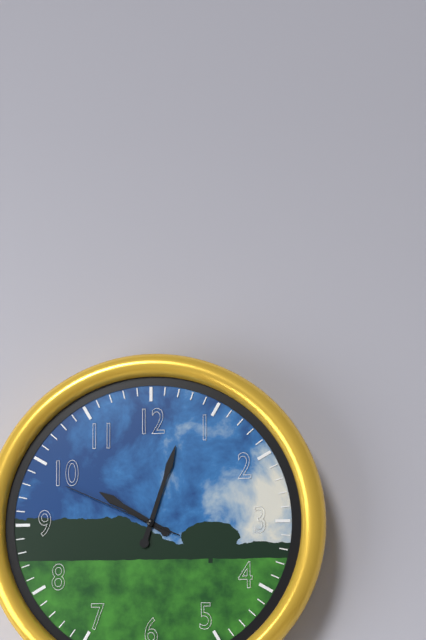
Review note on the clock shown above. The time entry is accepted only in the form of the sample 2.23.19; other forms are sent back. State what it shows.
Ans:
10.03.49
